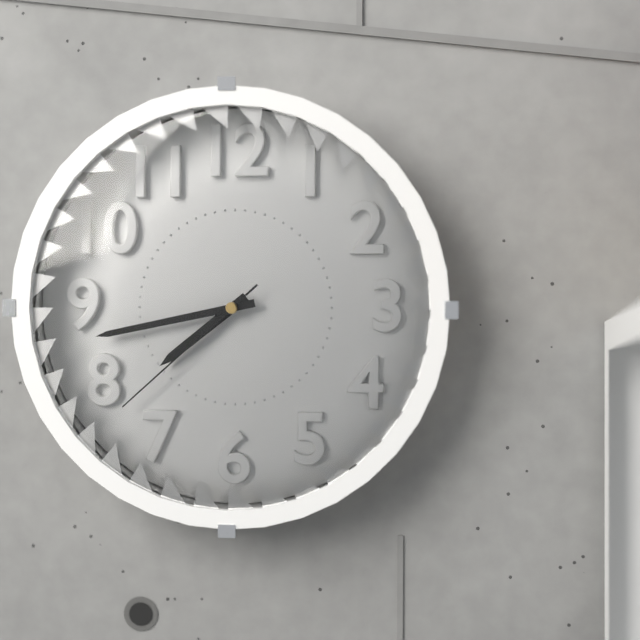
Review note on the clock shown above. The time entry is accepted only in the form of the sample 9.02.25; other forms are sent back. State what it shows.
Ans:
7.43.38
